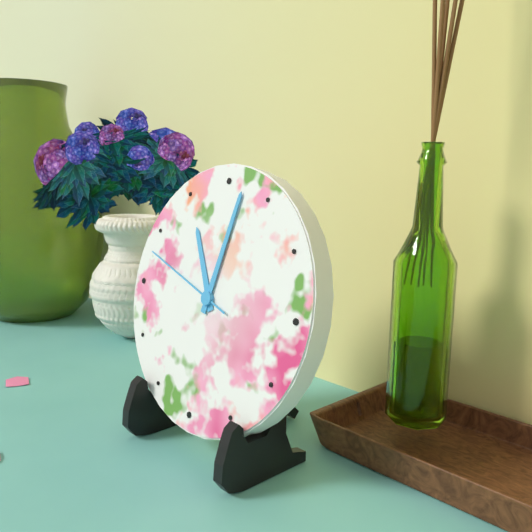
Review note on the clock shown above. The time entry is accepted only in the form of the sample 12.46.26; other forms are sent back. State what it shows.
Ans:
11.02.48
